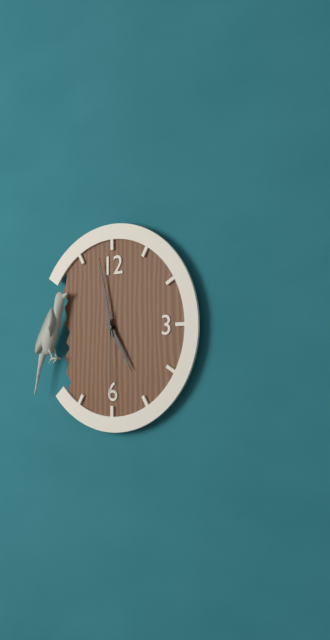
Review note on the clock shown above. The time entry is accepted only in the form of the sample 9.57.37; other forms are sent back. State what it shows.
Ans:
4.58.30
